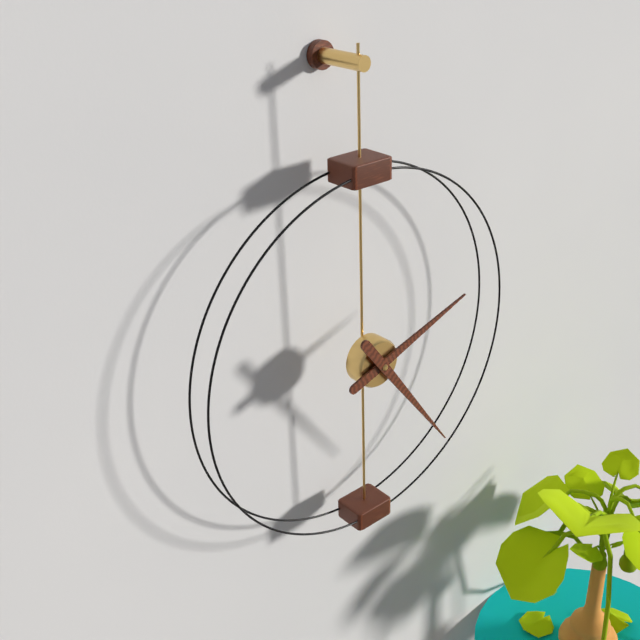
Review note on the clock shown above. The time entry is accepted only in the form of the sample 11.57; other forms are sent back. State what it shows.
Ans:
2.24
